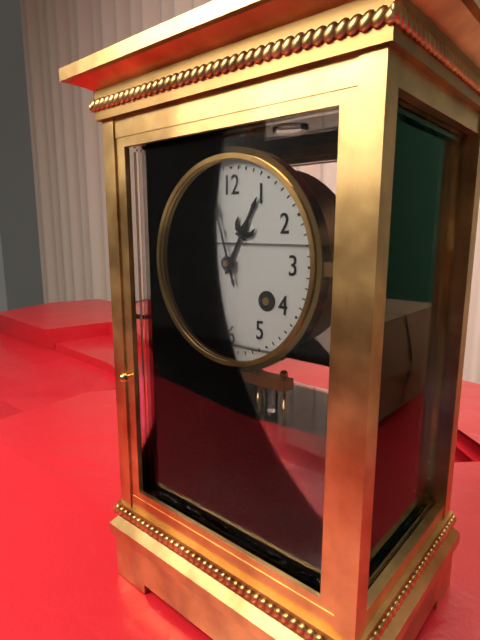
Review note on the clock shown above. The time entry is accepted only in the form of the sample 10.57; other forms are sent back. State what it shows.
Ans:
12.57
